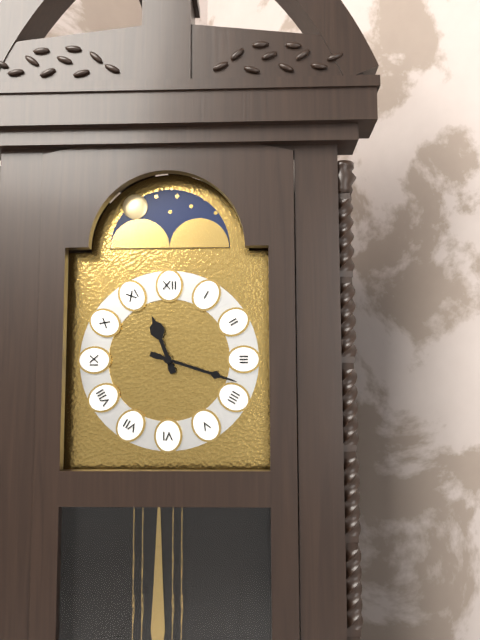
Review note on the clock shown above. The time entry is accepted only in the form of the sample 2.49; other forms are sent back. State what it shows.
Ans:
11.18
